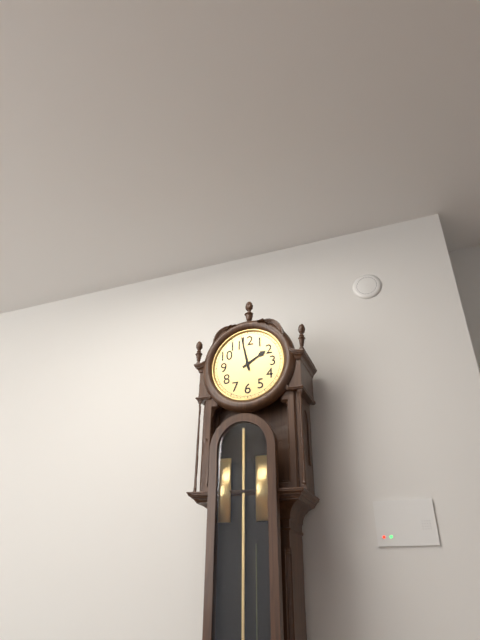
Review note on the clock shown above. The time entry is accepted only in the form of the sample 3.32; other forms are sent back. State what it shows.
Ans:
1.58
